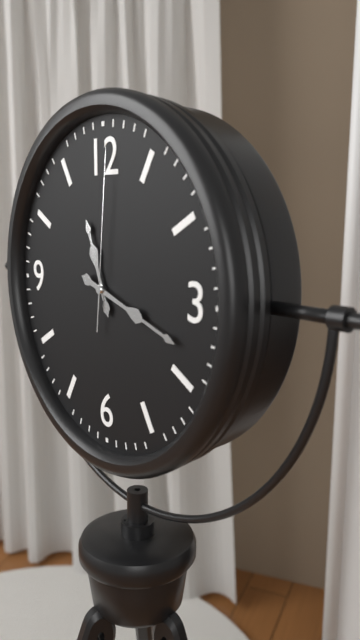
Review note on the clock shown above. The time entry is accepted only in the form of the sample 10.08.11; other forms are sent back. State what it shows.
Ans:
11.18.01
